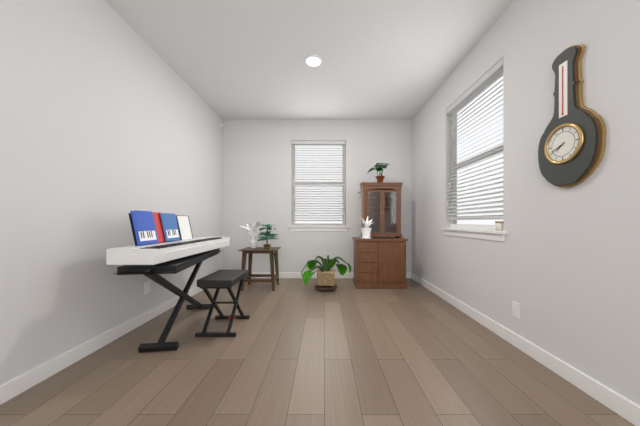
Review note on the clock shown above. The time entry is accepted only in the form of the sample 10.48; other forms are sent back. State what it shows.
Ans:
7.41
